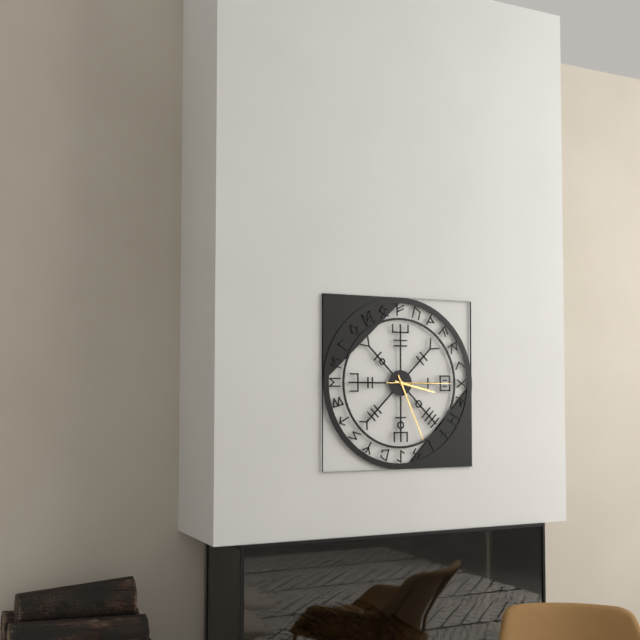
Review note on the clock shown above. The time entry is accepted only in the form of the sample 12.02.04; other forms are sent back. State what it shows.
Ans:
3.26.15
